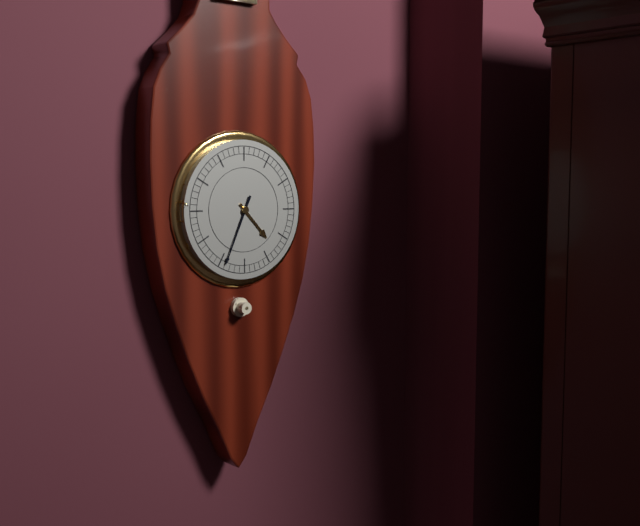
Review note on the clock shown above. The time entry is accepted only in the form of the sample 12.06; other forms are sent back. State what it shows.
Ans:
4.34
